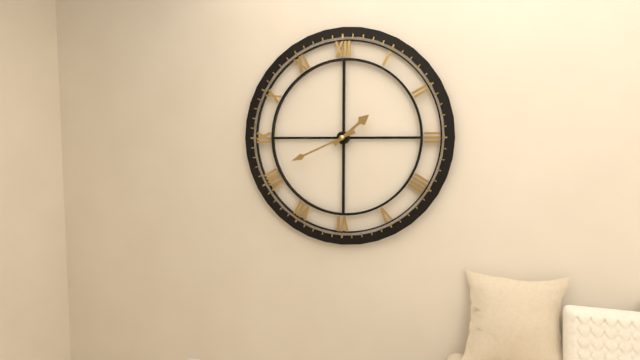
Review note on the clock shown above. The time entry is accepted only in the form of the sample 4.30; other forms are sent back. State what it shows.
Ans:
1.41
